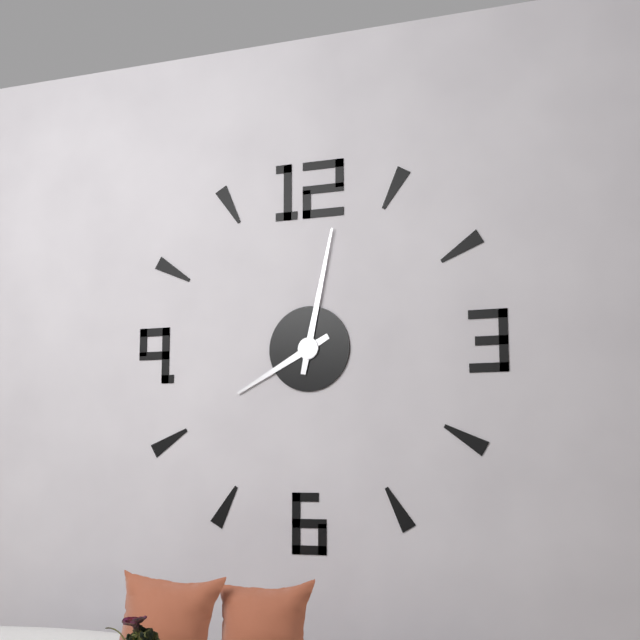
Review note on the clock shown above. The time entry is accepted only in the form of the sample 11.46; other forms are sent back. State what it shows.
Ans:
8.02
